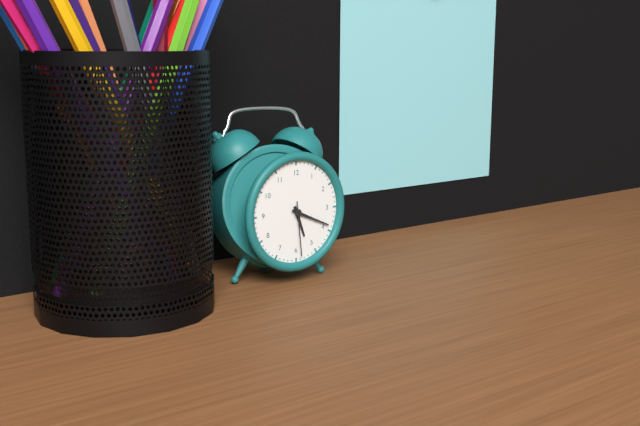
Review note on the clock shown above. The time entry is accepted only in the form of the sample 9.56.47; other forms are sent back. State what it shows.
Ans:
5.19.29
